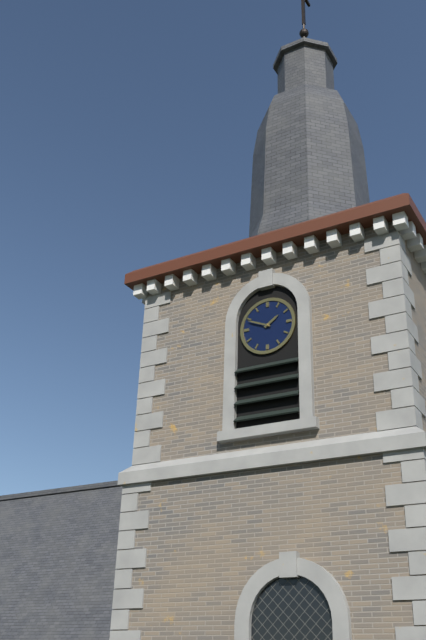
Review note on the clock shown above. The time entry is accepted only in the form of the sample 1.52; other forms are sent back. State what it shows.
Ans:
1.49
